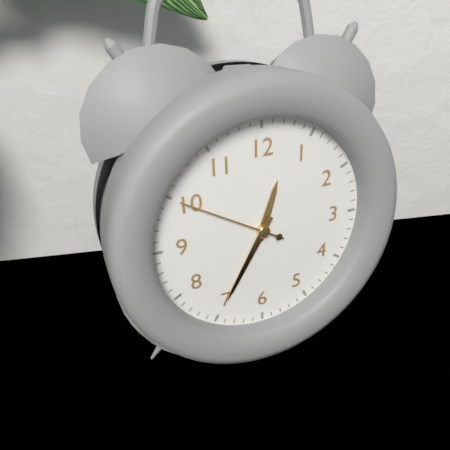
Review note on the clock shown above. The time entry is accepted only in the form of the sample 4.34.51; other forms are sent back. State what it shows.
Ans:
12.35.50
